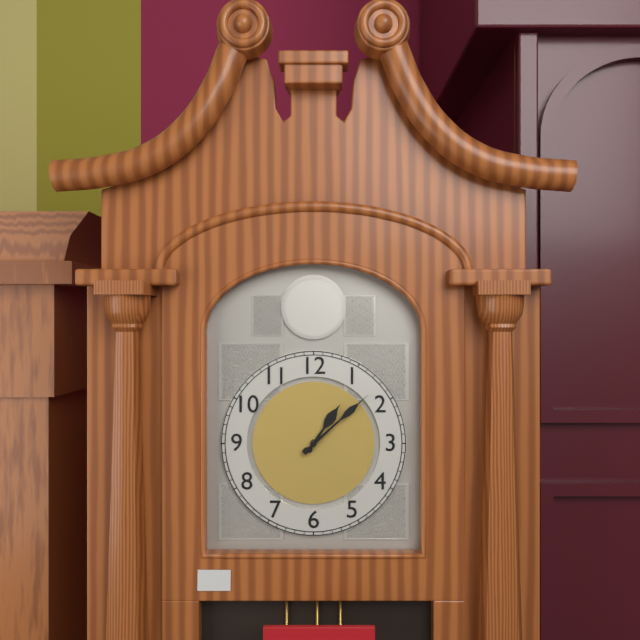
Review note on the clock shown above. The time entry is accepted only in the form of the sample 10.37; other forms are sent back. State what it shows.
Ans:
1.08
